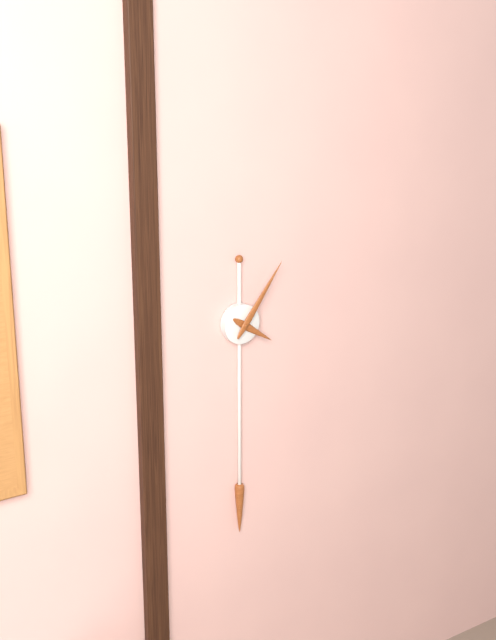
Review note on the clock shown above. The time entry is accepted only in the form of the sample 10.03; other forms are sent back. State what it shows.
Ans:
4.06
